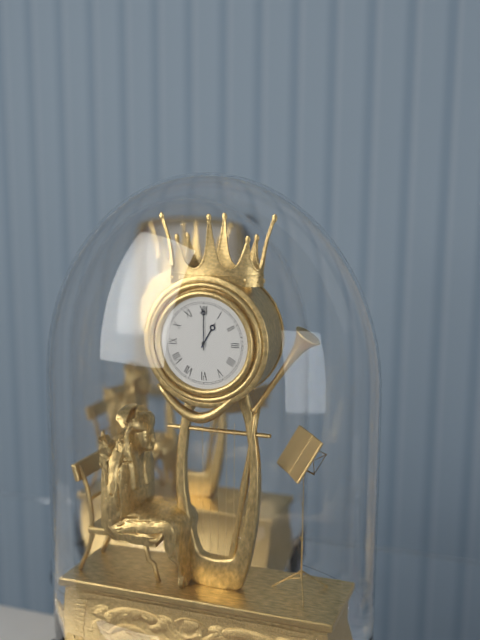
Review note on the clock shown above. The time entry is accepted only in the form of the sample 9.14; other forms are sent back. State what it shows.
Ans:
1.00
